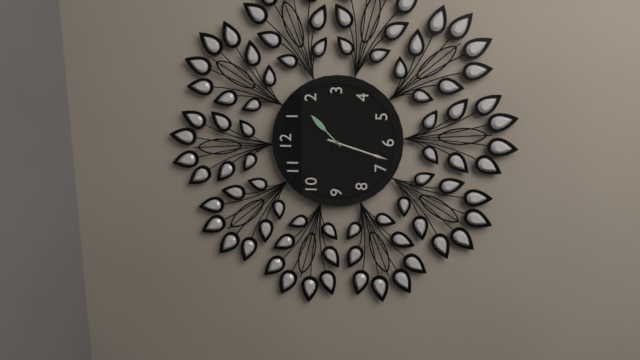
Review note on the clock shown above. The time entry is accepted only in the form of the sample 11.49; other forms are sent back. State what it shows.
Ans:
1.33
